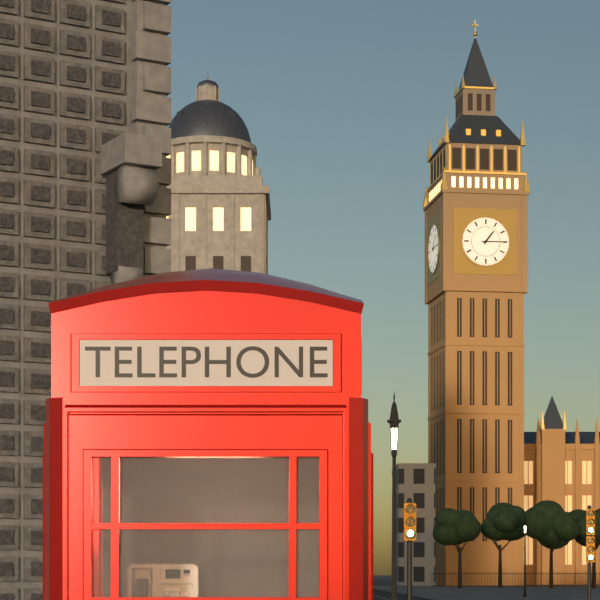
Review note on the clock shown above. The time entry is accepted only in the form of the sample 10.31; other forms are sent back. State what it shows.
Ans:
1.15
